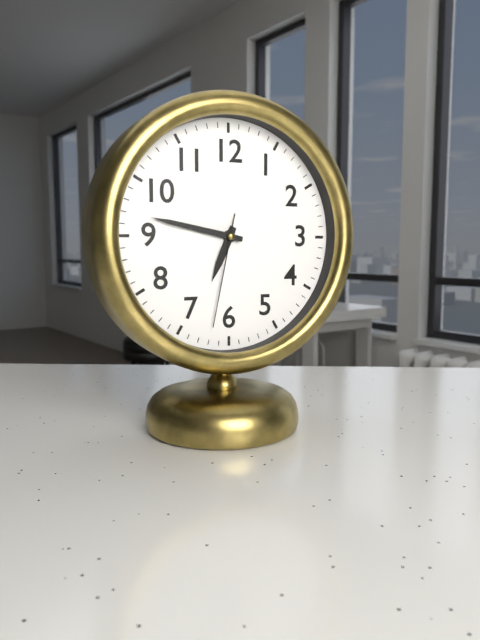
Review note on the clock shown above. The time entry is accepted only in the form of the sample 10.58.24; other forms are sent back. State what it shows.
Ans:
6.47.32
